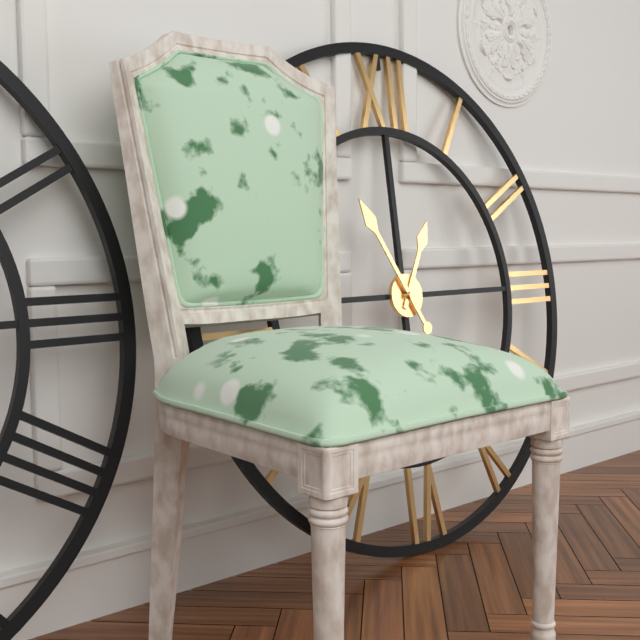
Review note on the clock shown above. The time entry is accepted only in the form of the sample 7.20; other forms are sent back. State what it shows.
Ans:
12.55
